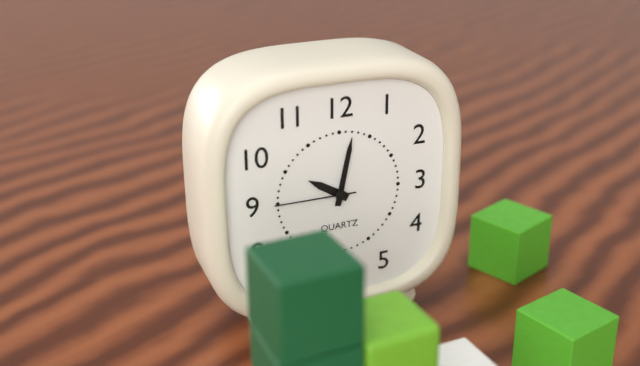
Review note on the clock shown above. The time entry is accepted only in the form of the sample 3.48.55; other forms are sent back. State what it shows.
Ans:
10.02.45
